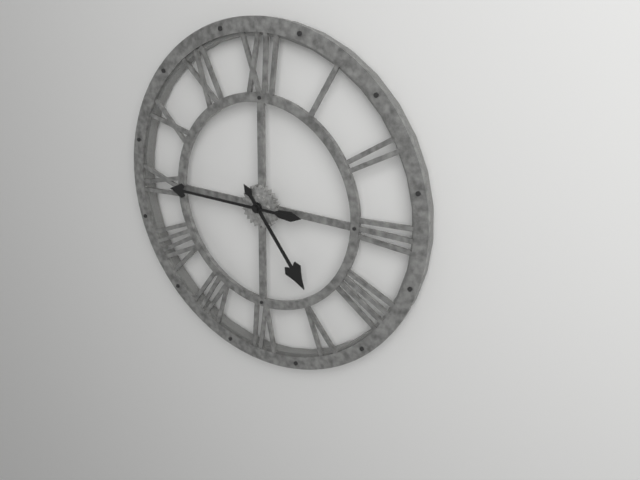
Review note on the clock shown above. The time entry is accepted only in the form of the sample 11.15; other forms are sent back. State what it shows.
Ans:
4.45
